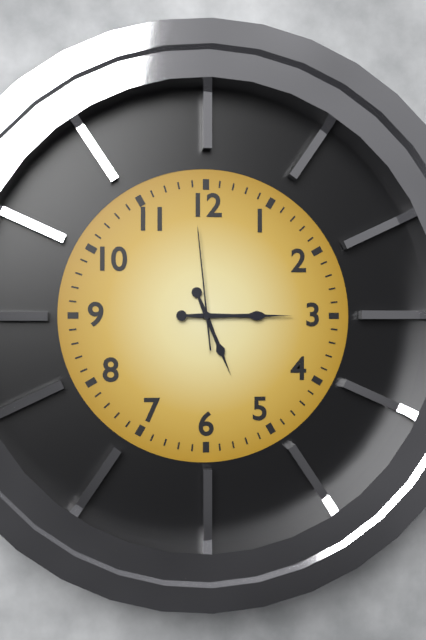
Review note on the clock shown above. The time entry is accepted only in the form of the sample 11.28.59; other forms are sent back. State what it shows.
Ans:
5.15.59
